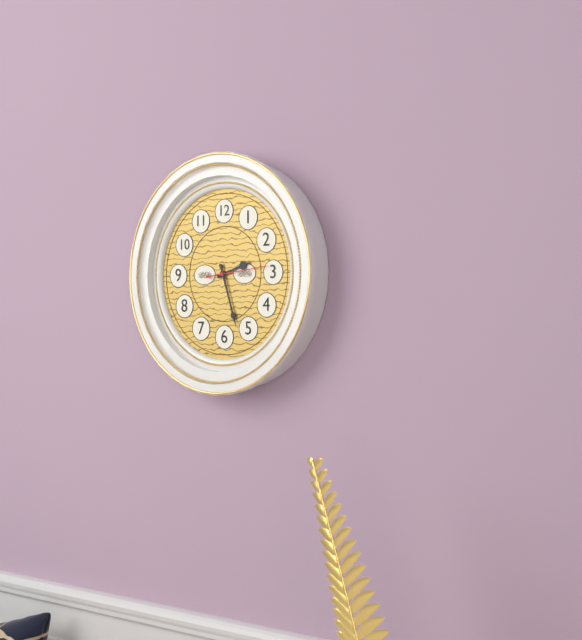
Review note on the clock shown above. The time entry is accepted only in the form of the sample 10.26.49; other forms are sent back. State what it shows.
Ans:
2.27.14
